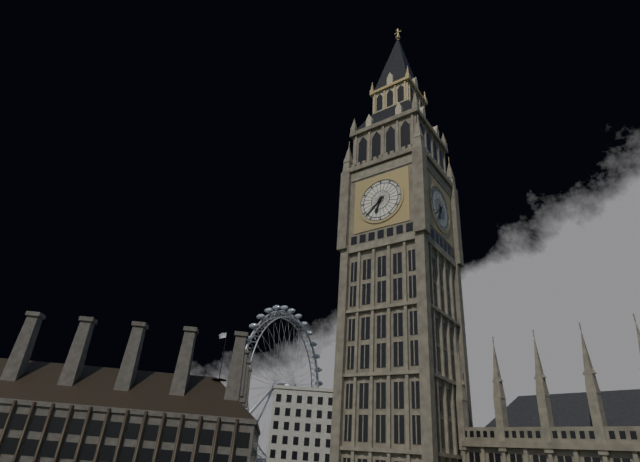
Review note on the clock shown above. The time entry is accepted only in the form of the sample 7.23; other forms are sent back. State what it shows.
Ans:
6.38
